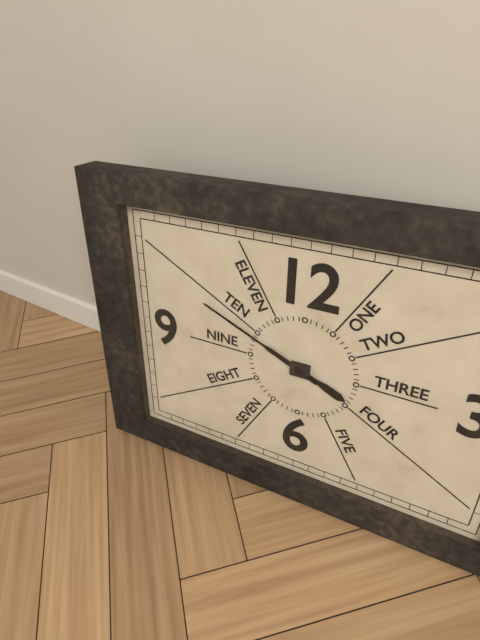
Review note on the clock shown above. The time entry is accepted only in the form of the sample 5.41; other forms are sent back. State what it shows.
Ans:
3.49
